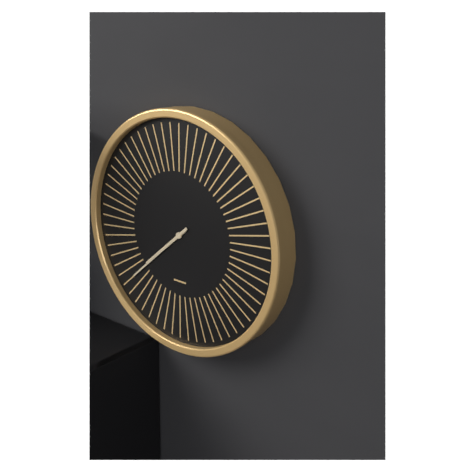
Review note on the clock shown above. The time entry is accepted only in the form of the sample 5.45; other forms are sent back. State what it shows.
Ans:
7.38
